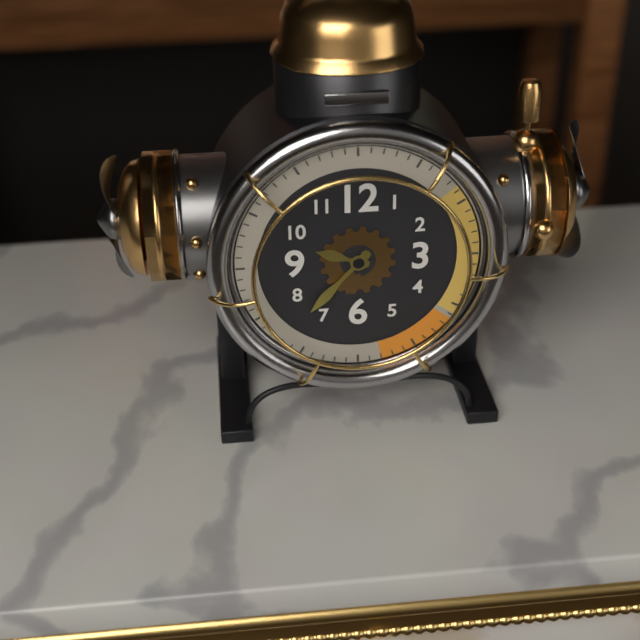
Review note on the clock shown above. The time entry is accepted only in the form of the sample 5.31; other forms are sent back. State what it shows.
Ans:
9.37
